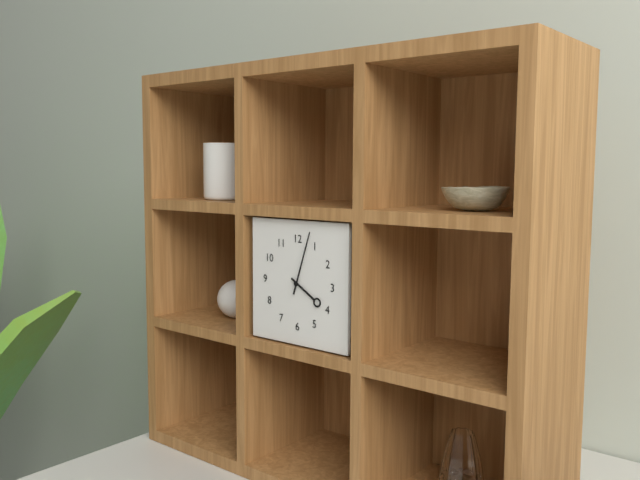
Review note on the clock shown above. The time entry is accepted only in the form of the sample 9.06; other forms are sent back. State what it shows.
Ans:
4.03
